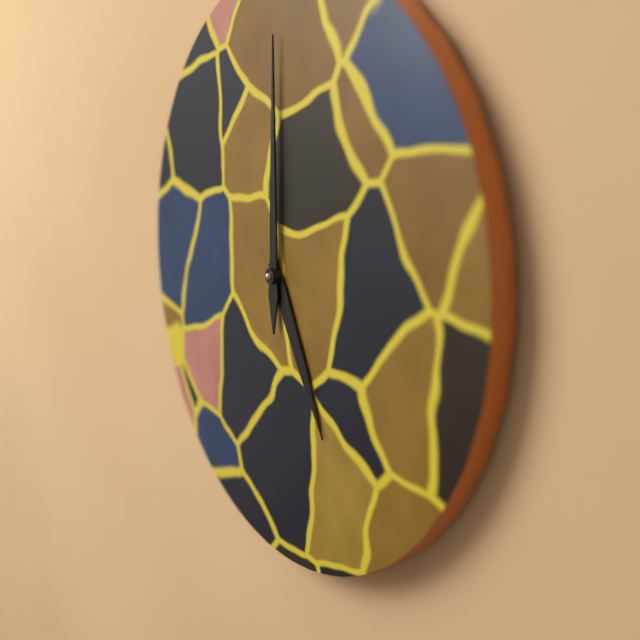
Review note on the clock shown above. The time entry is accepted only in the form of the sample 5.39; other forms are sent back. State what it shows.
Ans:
5.00
